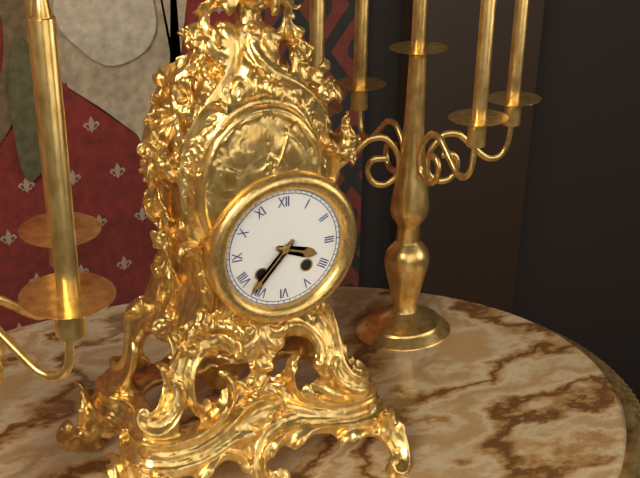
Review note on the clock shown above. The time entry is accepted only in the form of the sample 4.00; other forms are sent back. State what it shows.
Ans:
3.37
